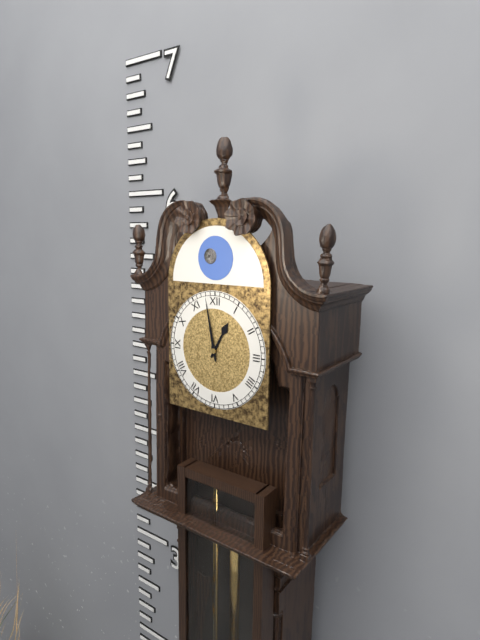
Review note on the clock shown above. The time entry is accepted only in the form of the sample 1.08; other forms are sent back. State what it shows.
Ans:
12.58
